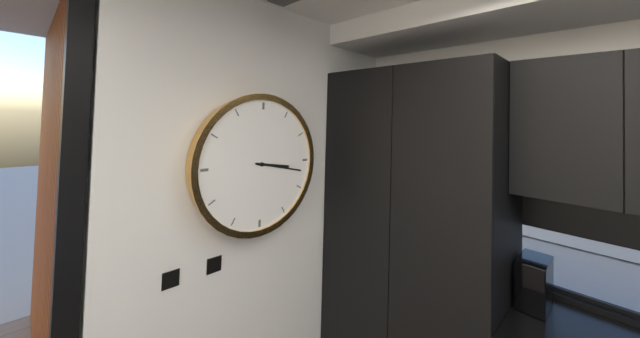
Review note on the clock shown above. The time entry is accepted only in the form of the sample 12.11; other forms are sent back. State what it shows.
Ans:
3.17
